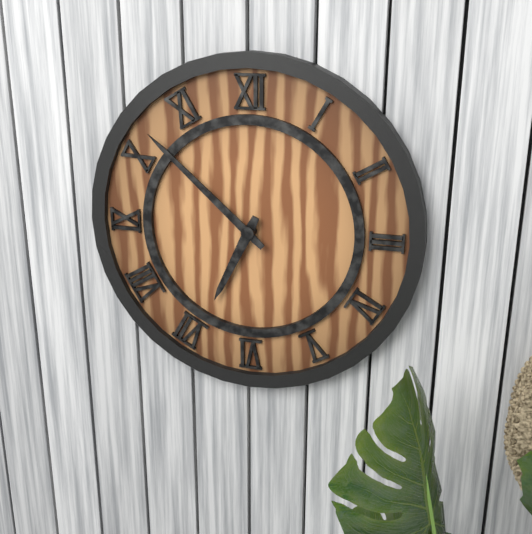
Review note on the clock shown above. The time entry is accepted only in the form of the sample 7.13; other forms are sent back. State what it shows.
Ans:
6.52
